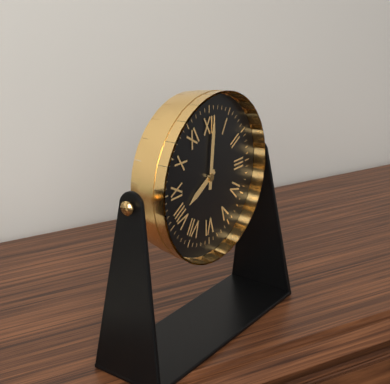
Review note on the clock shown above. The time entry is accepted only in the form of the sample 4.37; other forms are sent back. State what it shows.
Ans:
8.01
